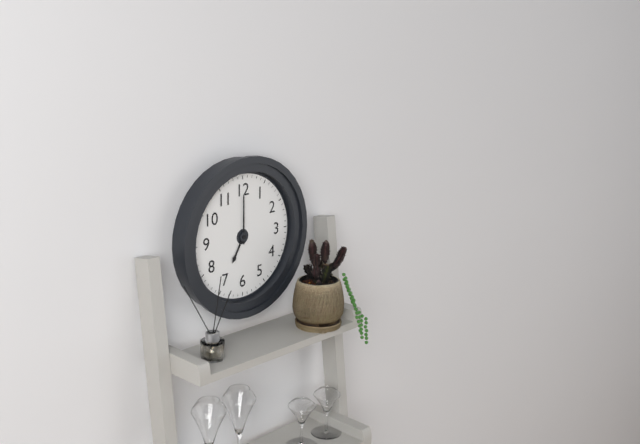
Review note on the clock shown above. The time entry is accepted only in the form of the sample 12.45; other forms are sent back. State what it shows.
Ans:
7.00
